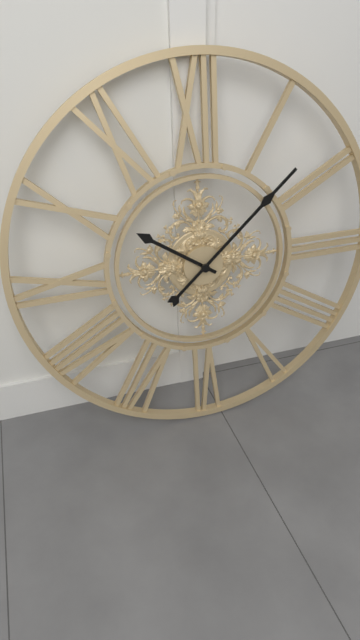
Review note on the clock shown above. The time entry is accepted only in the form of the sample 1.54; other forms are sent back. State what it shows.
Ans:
10.08
